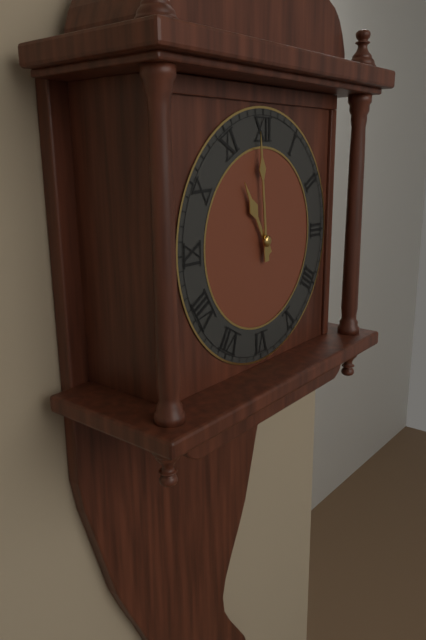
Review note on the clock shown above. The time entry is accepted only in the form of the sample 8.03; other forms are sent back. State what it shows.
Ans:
10.59
